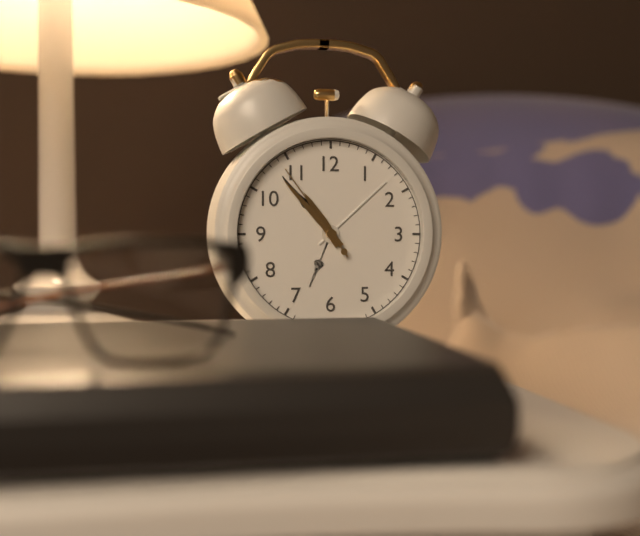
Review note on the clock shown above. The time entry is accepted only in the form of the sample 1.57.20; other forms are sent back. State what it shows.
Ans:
10.53.54
